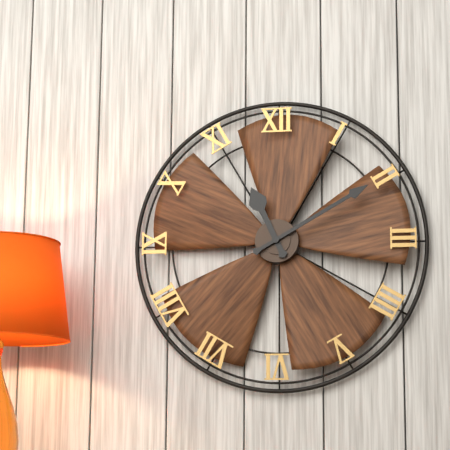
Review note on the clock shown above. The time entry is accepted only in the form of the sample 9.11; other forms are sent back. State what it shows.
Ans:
11.10
